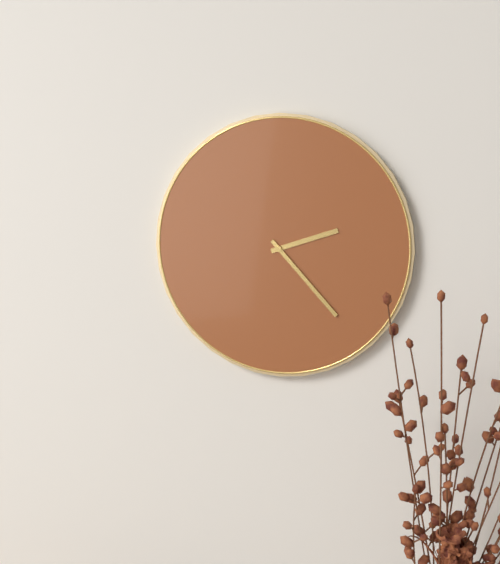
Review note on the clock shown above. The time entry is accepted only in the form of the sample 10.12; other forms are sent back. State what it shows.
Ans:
2.23
